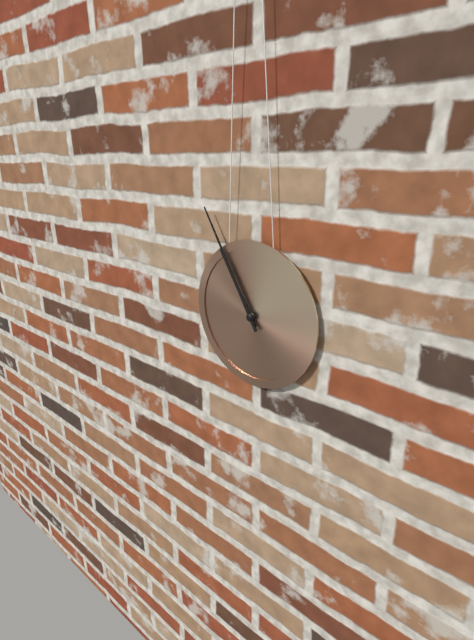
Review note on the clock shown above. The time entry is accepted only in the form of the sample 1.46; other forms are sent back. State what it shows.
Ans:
10.55
